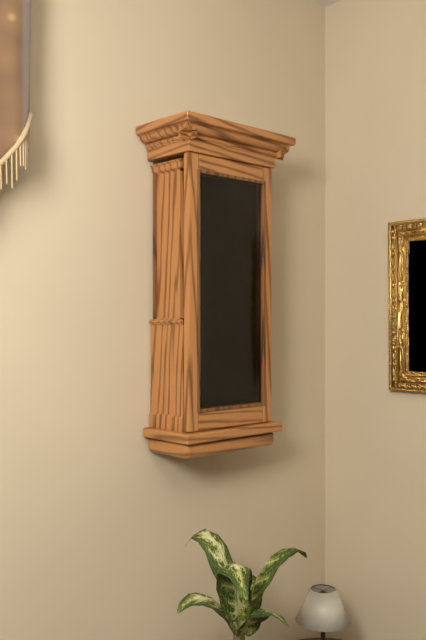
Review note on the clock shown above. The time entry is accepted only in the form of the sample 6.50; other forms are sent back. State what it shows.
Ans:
9.23
